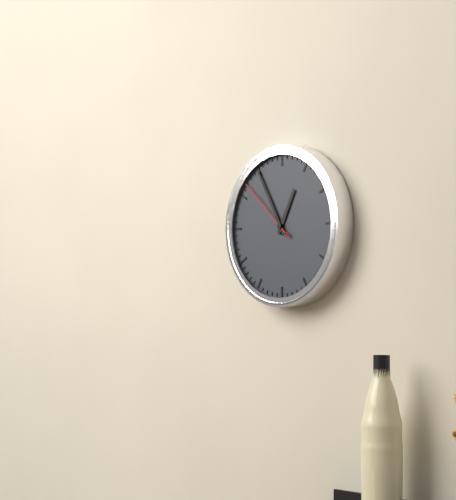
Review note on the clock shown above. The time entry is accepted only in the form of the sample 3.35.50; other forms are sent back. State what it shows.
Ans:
12.55.52
